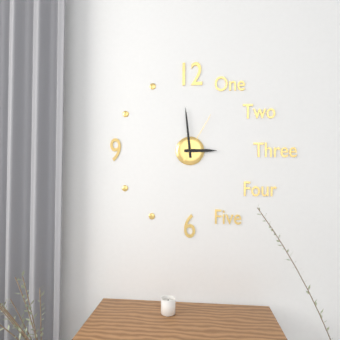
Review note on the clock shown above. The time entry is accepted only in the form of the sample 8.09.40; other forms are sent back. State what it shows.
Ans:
2.59.05
